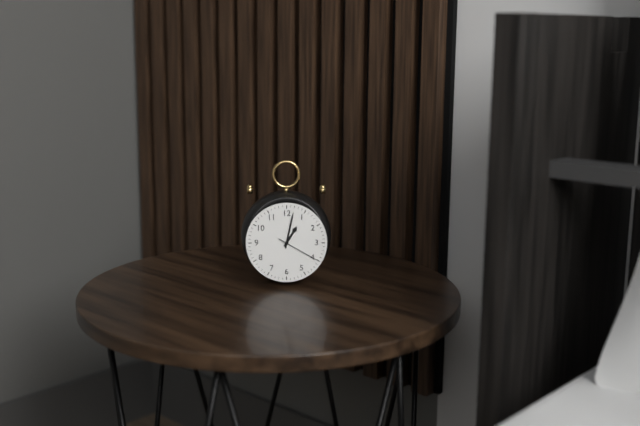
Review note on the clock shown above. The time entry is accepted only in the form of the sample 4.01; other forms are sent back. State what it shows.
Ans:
1.02
